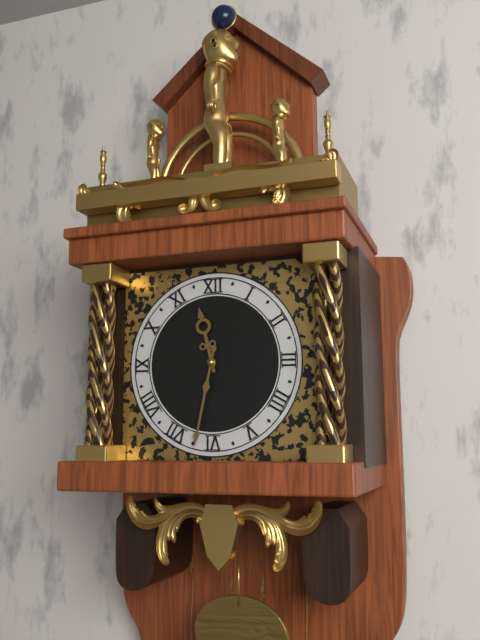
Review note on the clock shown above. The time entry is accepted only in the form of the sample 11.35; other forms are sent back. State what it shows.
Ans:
11.32
